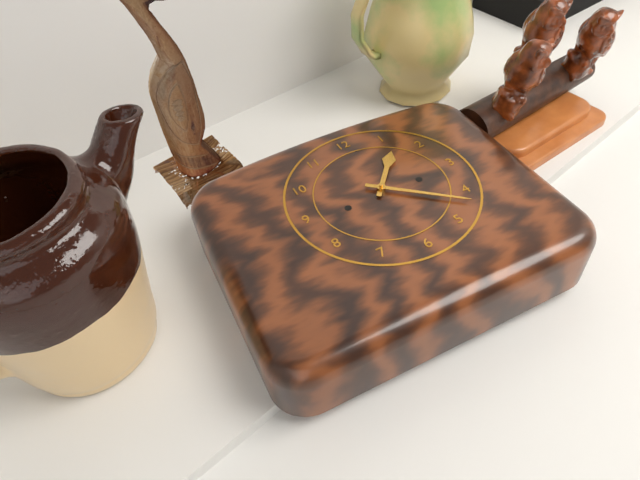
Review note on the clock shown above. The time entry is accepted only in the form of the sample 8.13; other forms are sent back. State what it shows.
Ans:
1.22
